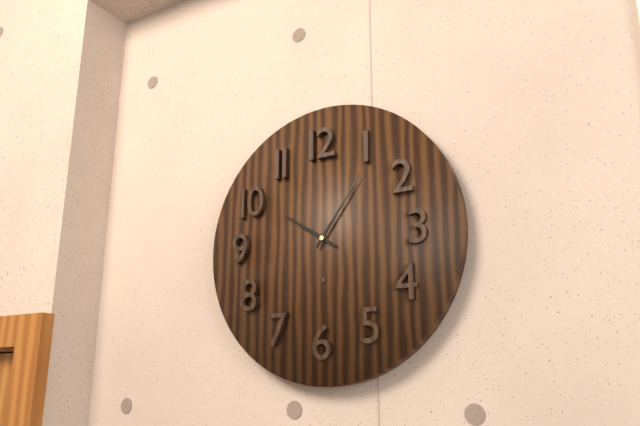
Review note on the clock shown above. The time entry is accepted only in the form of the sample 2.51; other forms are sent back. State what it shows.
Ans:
10.06
